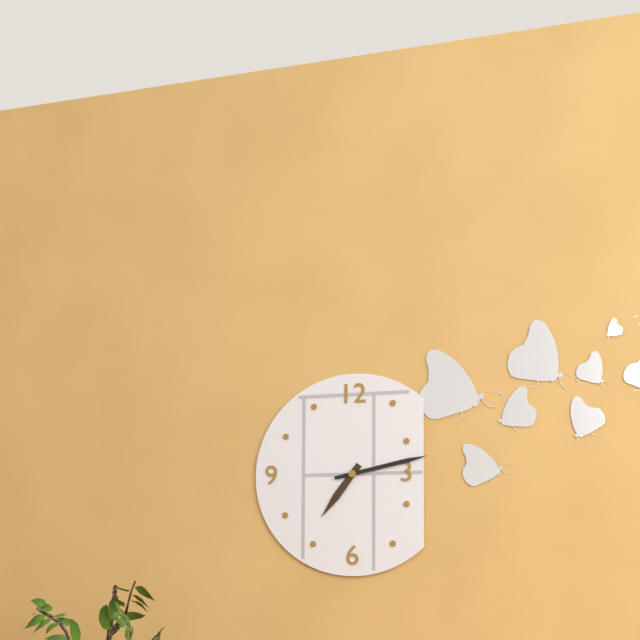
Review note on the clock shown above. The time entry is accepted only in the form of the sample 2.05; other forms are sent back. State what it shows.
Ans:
7.13
